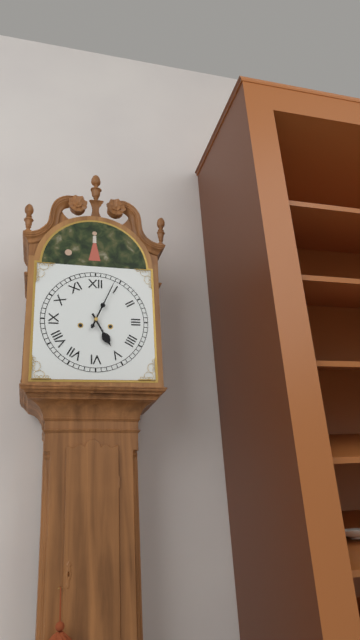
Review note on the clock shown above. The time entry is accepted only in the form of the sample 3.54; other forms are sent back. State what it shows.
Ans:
5.04
